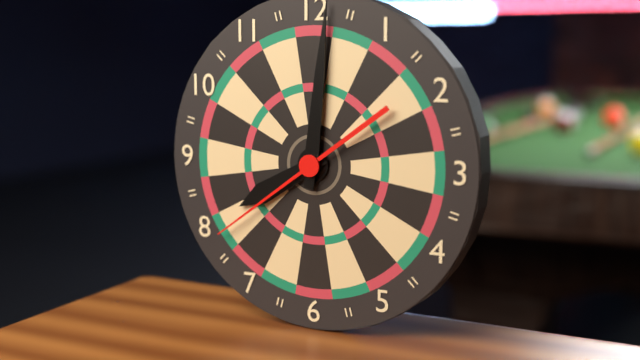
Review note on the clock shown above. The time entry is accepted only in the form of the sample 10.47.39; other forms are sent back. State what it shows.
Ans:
8.01.39
